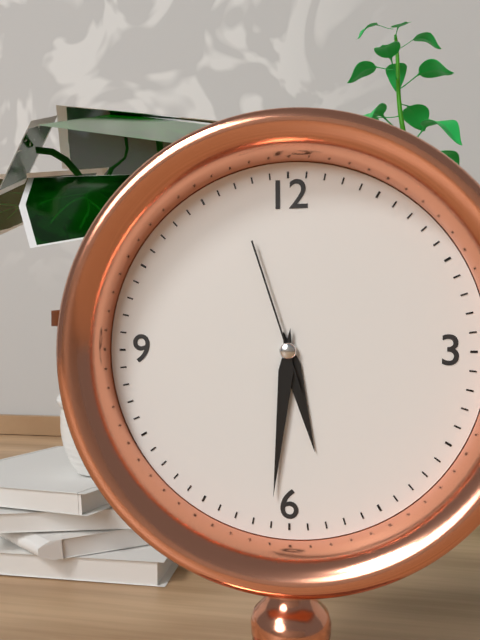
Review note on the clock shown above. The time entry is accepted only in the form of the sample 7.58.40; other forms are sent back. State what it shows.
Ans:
5.31.57
